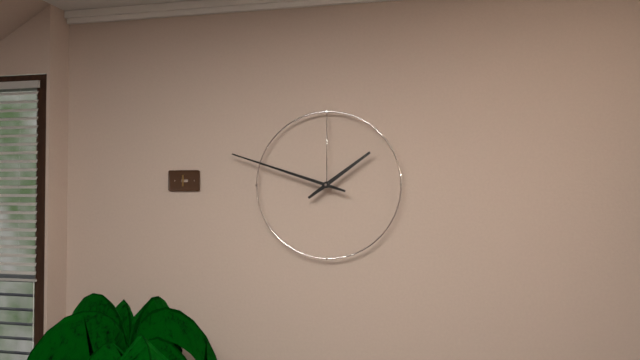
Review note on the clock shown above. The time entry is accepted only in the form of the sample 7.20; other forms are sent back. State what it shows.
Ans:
1.48
